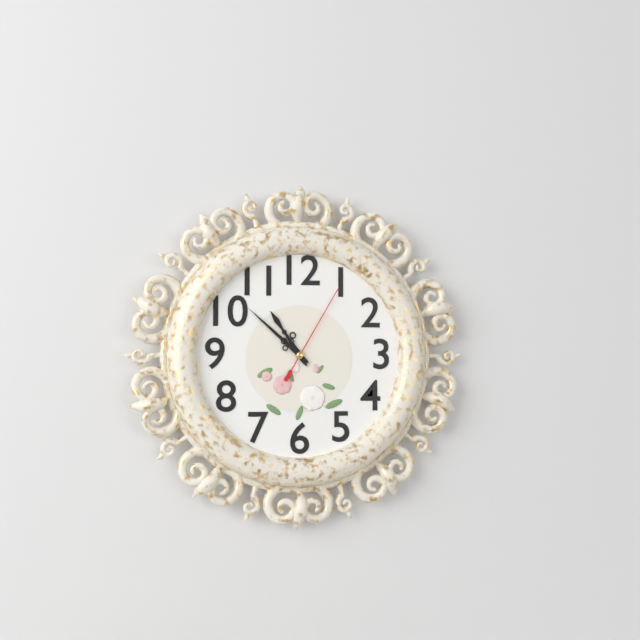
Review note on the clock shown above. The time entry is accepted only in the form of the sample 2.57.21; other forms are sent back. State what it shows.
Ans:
10.52.05
